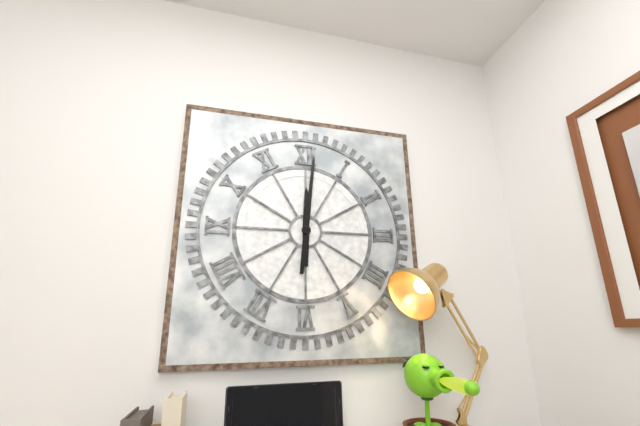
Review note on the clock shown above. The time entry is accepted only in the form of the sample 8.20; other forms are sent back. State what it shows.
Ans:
12.01
